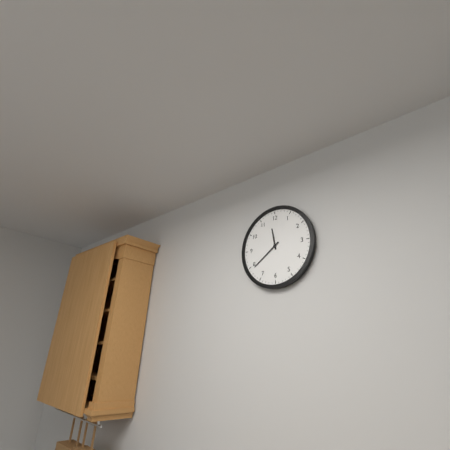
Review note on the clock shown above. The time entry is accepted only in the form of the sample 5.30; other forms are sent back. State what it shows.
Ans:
11.39
